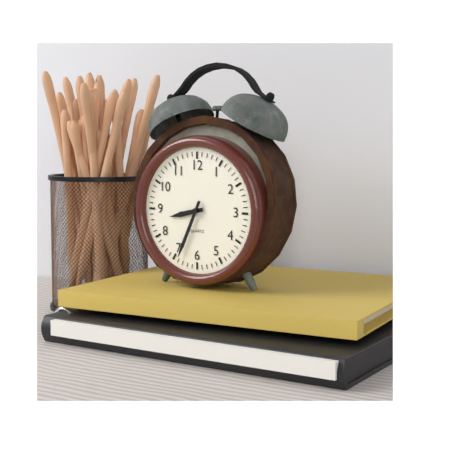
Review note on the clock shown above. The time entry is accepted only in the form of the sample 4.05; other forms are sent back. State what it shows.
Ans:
8.34
